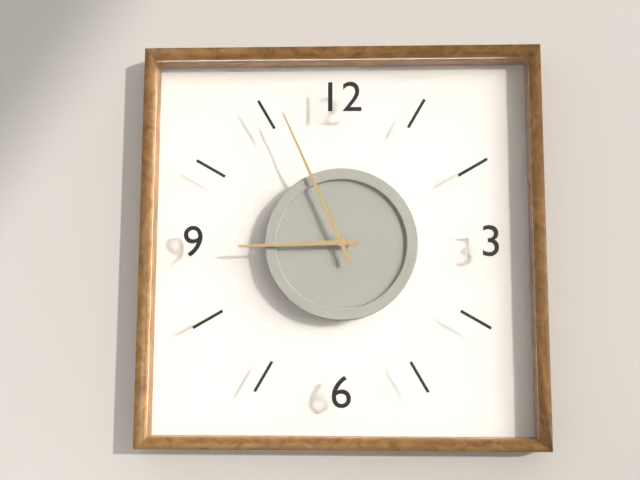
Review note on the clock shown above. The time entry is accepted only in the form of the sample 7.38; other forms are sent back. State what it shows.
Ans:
8.56
